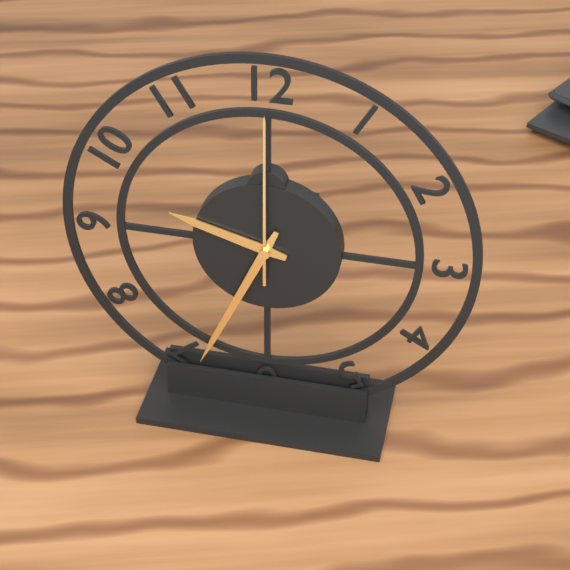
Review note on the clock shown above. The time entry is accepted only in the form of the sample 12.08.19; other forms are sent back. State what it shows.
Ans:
9.34.00
